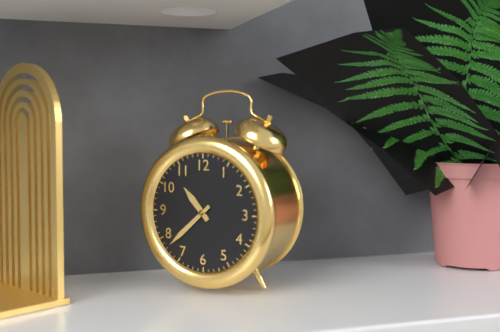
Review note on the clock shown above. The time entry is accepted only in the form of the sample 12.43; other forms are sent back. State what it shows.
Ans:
10.38
